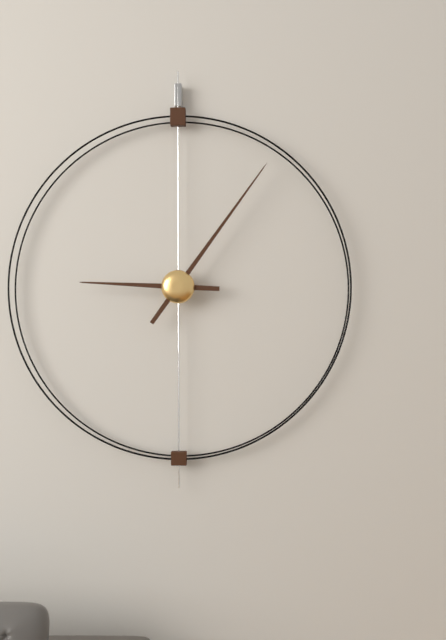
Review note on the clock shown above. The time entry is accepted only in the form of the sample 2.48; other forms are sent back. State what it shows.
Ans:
9.06
